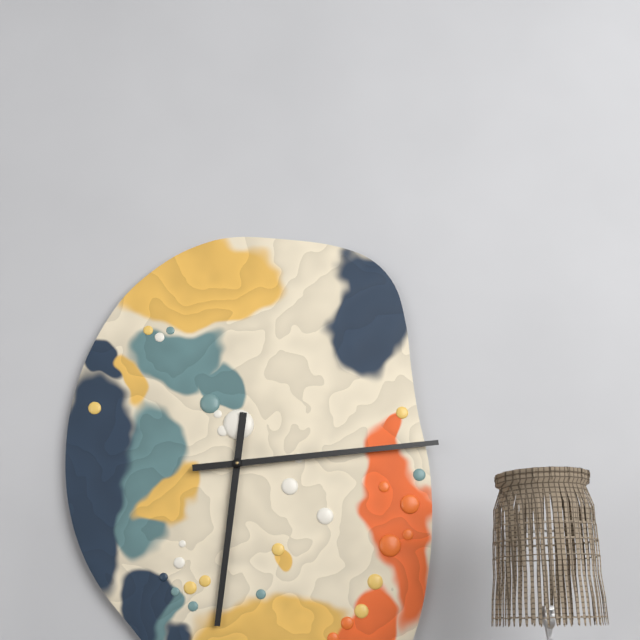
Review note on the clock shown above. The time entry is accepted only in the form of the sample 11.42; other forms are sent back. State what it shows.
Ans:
6.14
